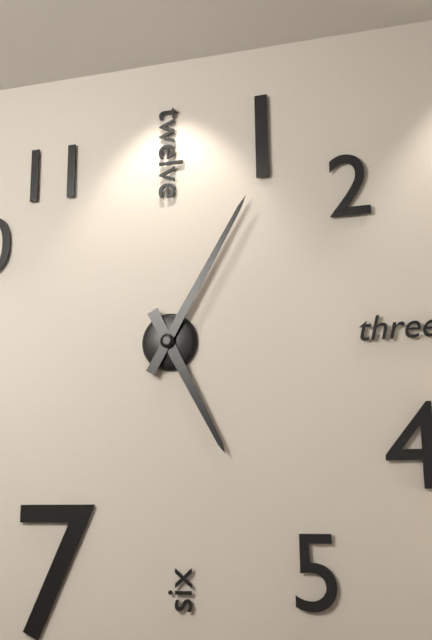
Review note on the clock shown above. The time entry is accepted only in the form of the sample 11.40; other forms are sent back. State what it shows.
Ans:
5.05
